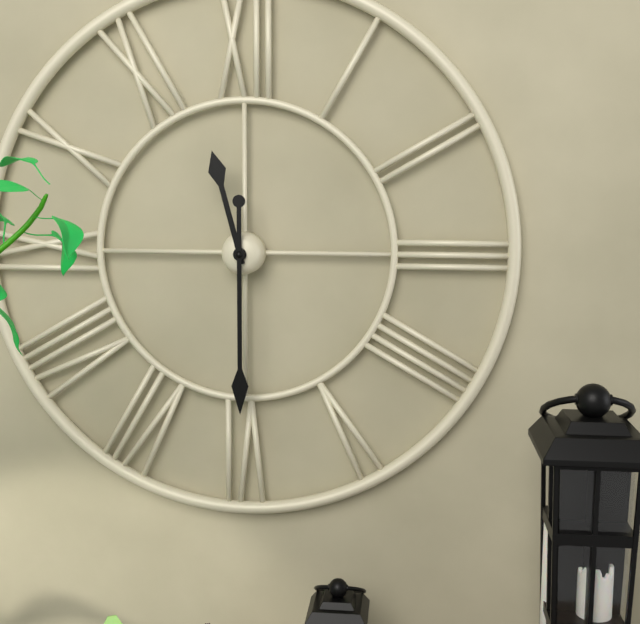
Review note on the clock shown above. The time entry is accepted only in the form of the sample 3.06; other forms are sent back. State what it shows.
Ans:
11.30
